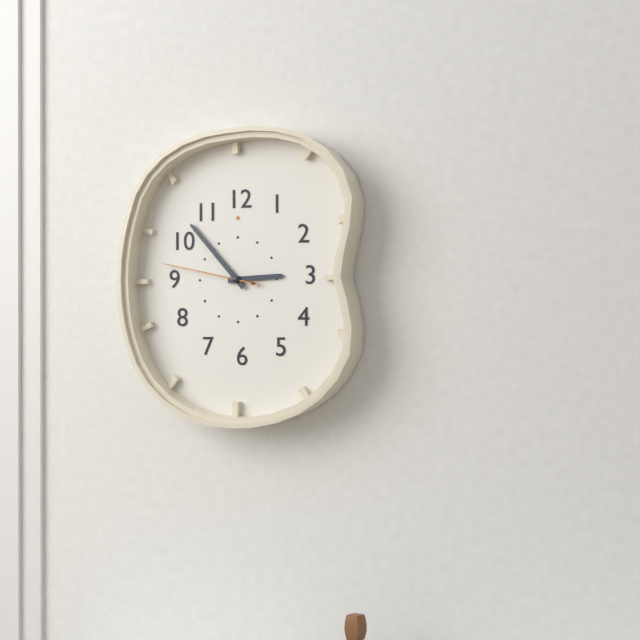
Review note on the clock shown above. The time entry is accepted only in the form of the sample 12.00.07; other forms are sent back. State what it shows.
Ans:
2.53.47
